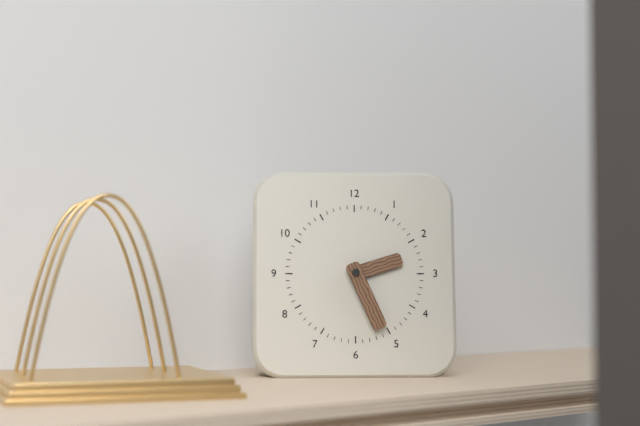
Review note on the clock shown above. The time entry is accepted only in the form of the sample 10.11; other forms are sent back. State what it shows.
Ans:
2.26
